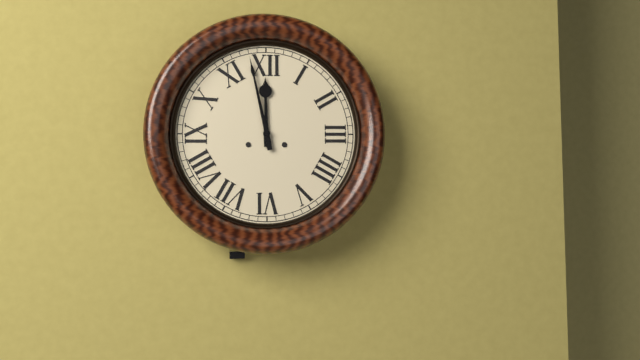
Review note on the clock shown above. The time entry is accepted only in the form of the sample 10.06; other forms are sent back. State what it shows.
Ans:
11.58
